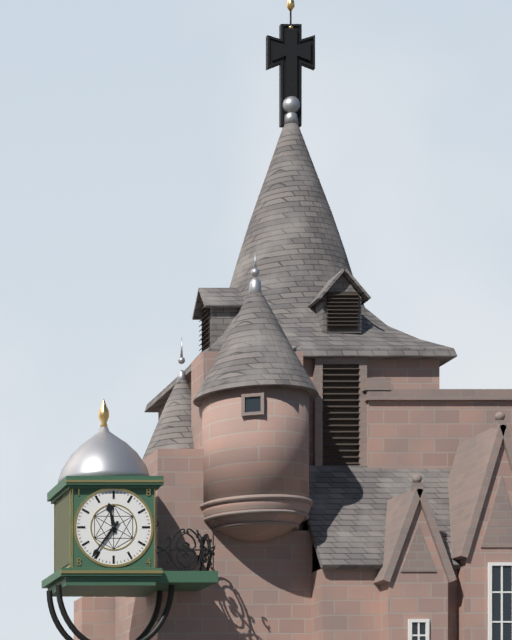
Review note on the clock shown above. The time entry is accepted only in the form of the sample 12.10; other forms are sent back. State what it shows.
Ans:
11.36
